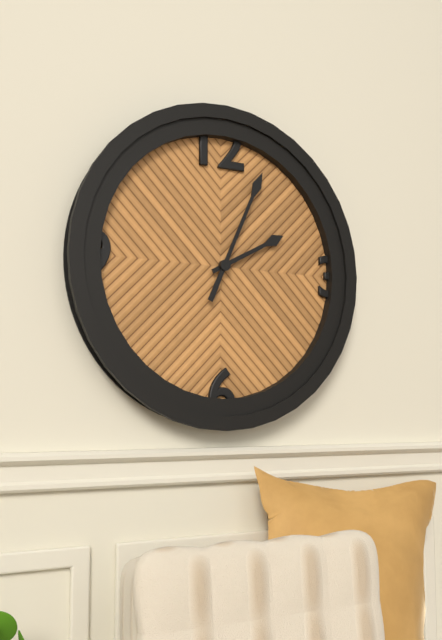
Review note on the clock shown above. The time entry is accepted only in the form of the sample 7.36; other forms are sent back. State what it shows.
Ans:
2.04
